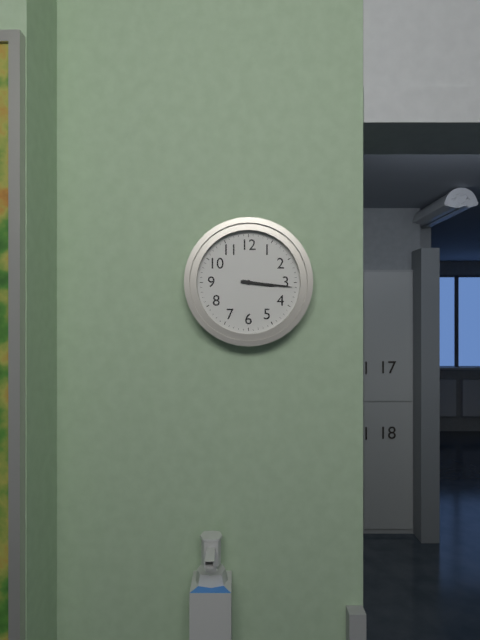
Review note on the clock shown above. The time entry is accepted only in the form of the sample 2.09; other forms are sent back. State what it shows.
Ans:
3.16
